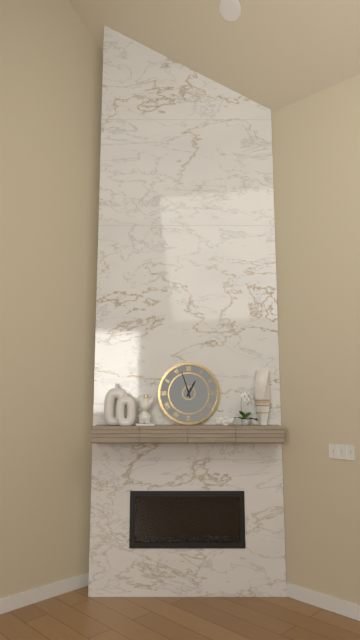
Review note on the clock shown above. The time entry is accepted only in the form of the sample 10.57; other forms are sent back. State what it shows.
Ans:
12.57
